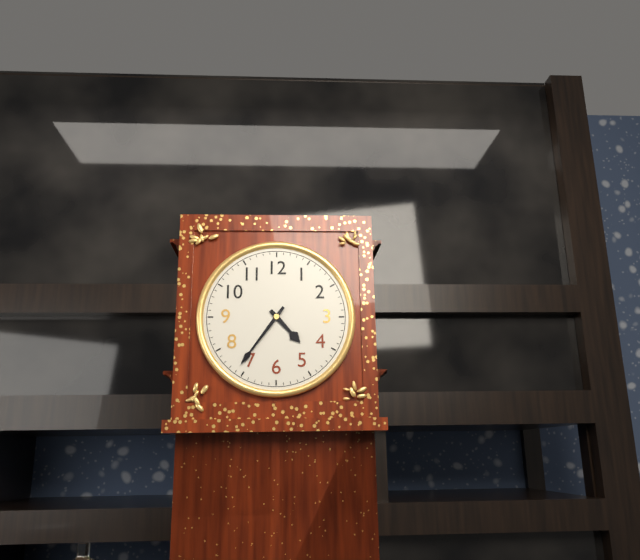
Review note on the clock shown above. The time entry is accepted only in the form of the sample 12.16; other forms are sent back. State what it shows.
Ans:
4.36
